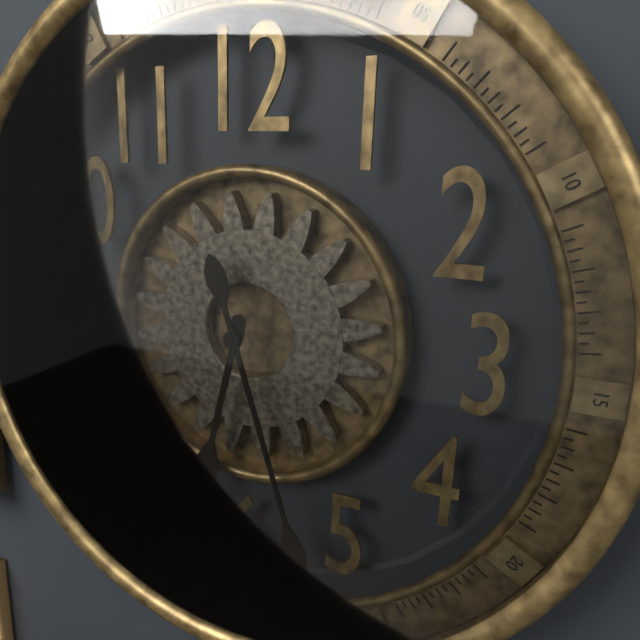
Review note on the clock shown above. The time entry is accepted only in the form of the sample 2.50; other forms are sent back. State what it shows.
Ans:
6.27
